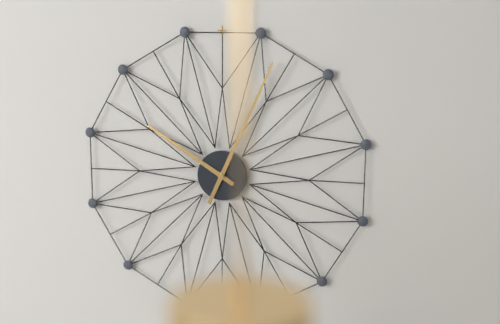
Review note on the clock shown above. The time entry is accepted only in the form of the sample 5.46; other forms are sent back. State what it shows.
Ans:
10.04
